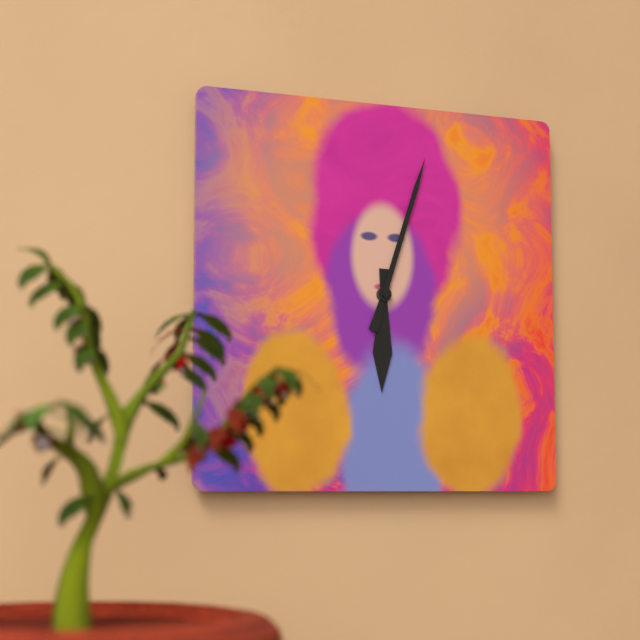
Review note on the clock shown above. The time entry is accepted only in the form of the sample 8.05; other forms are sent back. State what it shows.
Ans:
6.03
